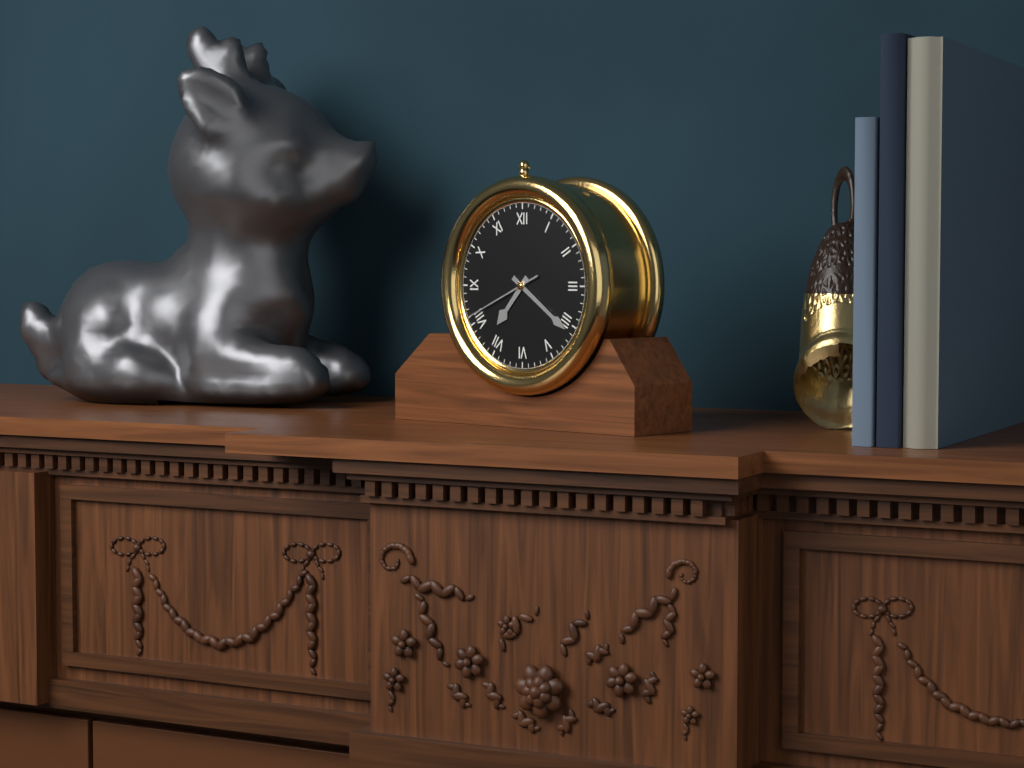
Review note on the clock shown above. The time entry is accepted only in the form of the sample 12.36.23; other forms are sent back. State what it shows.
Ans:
7.21.41
